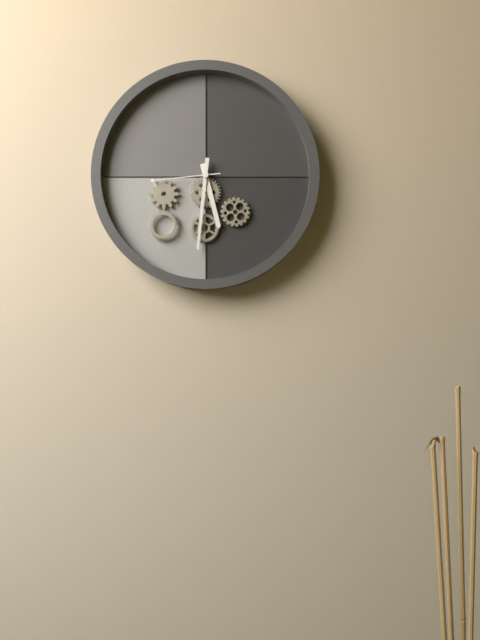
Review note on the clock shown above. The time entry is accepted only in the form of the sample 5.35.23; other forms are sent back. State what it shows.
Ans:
5.31.44
